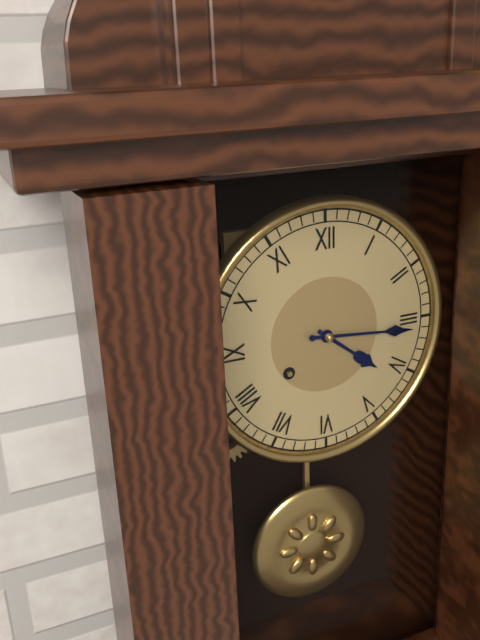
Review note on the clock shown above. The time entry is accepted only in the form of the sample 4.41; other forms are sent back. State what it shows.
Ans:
4.16
